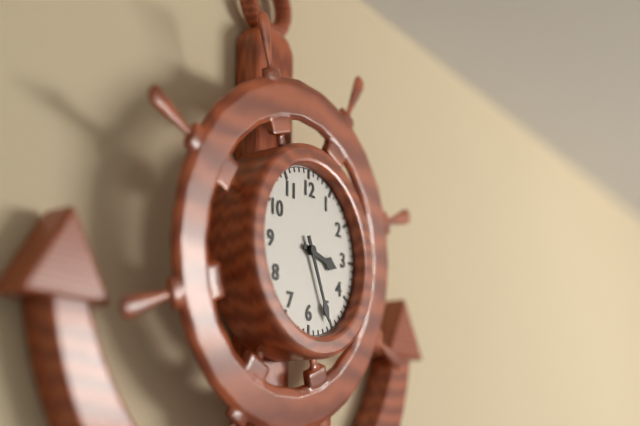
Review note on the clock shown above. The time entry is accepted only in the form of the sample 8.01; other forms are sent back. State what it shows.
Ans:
3.26
